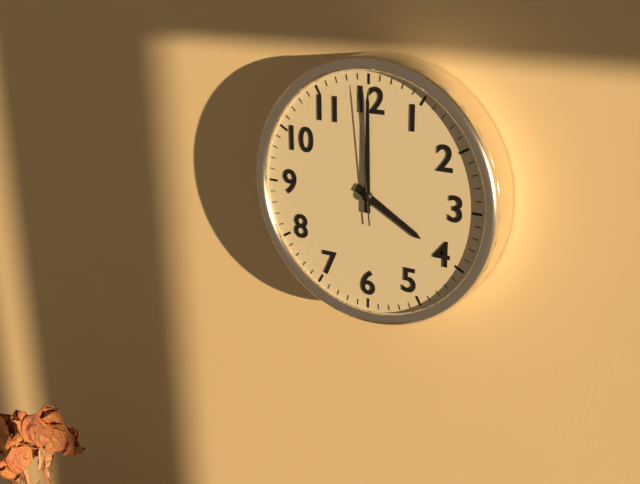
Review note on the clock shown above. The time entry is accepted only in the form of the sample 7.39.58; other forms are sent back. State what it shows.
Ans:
4.00.59
